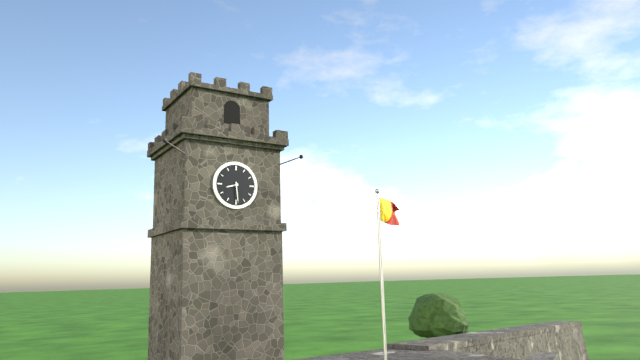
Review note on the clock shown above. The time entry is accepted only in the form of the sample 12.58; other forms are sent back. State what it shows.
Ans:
8.29
